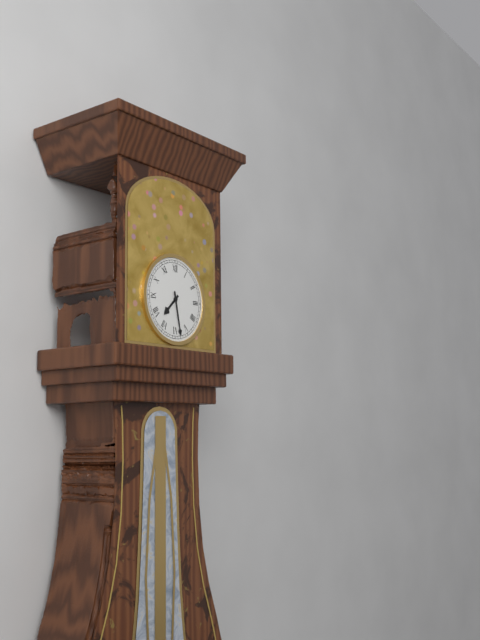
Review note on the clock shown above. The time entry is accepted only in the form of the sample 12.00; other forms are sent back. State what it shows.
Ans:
7.28
